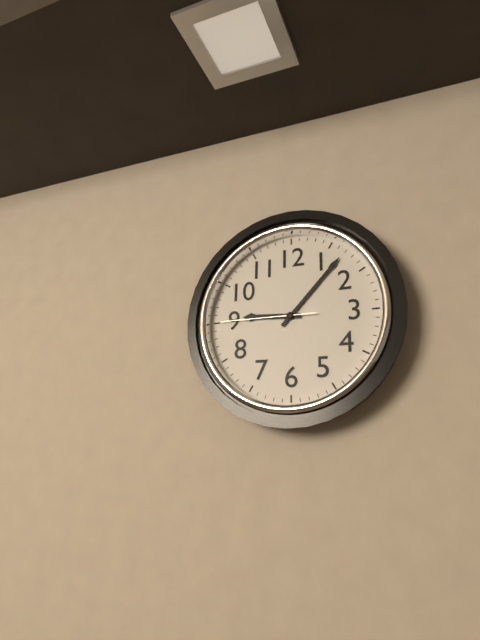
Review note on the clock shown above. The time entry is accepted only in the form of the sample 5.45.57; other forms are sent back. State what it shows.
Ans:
9.07.45
